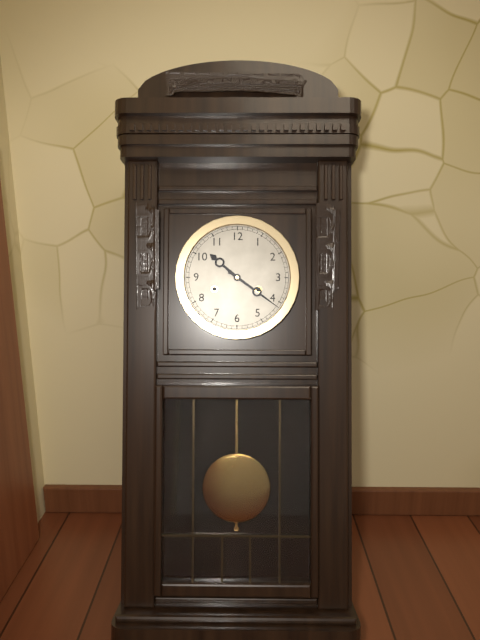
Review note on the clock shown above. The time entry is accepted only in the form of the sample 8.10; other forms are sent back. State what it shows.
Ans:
10.21
